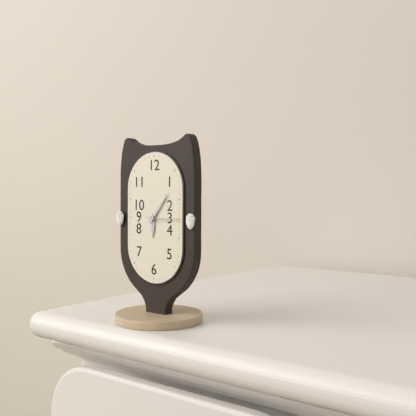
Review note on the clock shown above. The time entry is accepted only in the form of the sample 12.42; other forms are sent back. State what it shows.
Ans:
6.06
